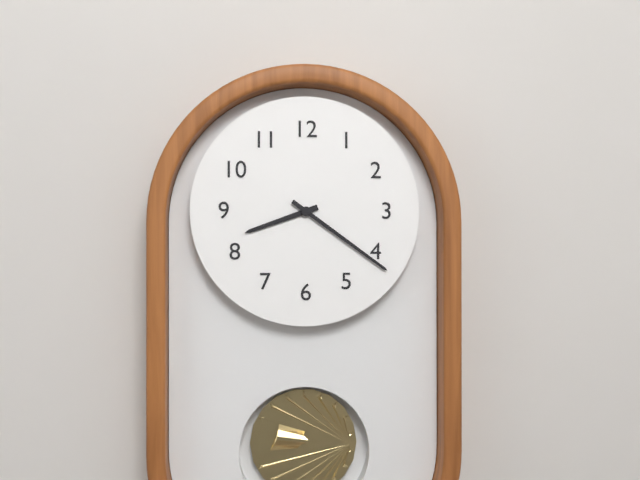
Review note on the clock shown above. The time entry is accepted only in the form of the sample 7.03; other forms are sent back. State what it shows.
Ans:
8.21
